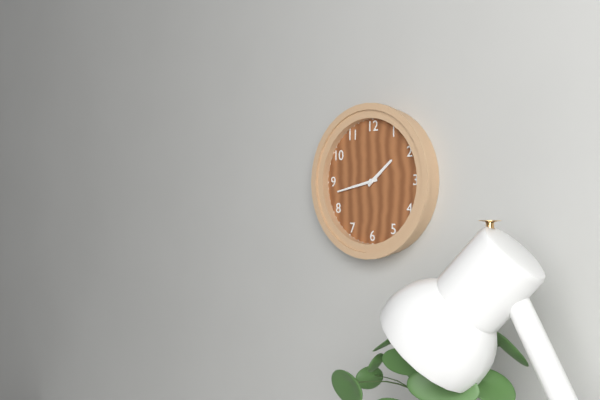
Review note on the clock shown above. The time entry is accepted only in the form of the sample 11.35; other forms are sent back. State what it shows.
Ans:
1.43
